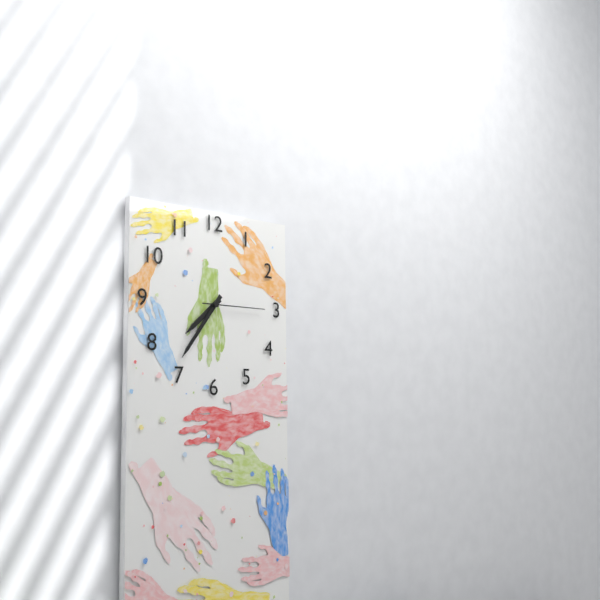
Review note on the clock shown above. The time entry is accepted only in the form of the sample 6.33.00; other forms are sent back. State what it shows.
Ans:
7.36.15
